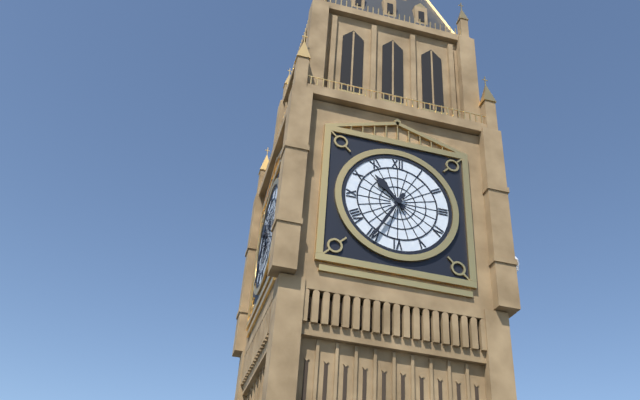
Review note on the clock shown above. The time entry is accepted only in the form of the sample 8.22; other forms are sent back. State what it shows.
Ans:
10.35
